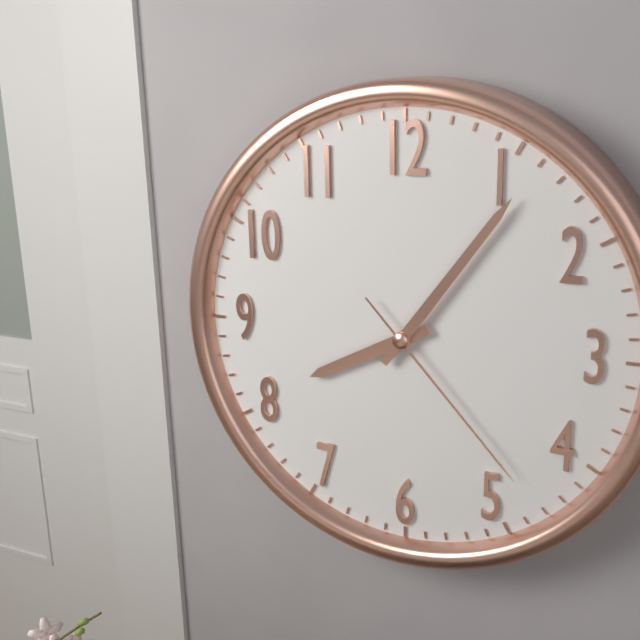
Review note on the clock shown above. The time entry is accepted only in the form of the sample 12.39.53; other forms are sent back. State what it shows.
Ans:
8.06.23
